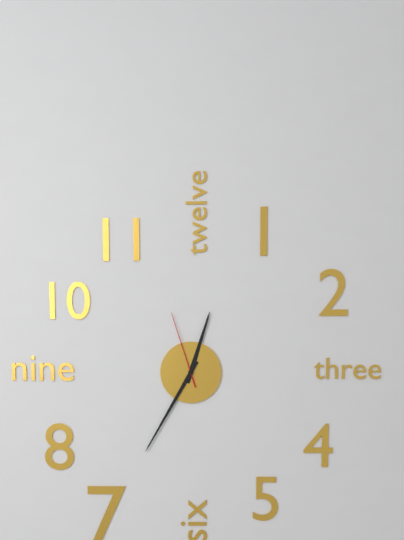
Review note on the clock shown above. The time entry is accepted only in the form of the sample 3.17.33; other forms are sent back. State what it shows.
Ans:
12.35.57
